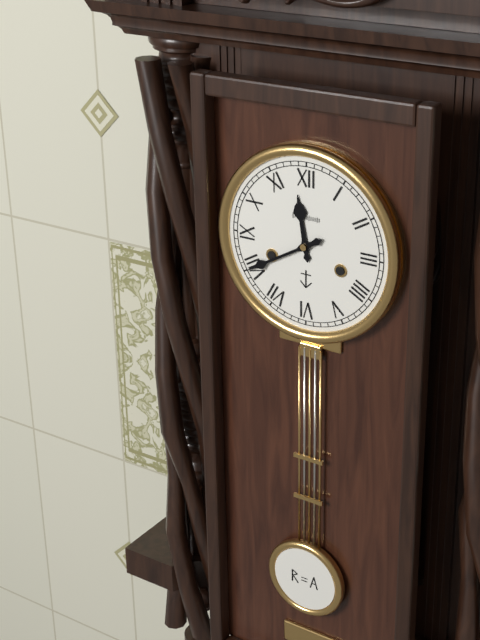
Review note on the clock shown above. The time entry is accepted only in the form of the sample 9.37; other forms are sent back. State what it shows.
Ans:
11.40
